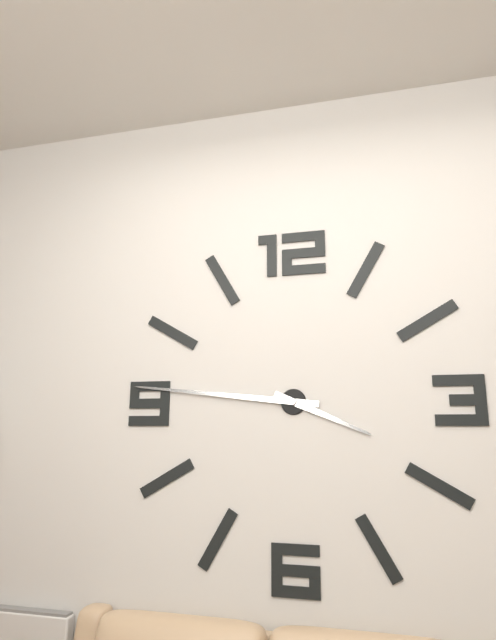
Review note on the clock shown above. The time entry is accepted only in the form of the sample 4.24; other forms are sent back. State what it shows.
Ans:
3.46
